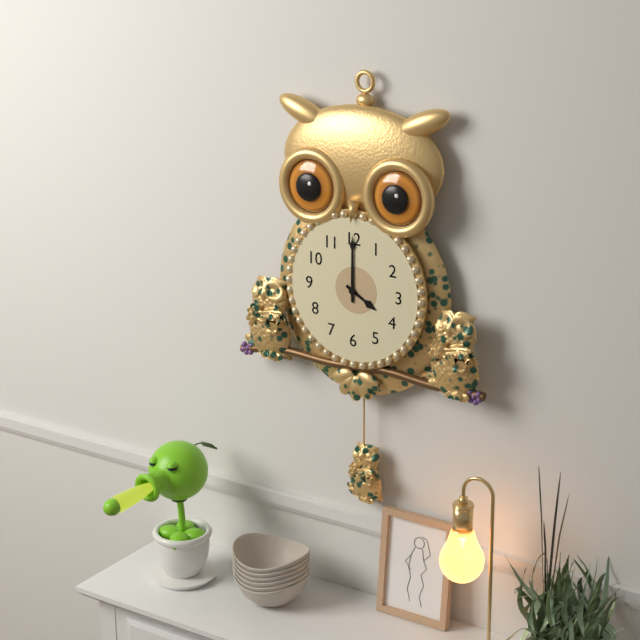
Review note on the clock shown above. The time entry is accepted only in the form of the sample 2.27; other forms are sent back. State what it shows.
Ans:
4.00
